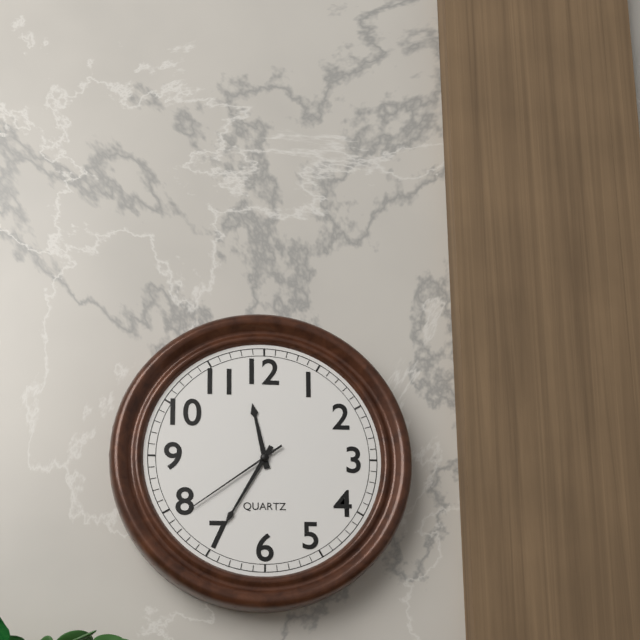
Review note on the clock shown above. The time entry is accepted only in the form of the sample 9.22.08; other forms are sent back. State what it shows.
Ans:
11.35.39
